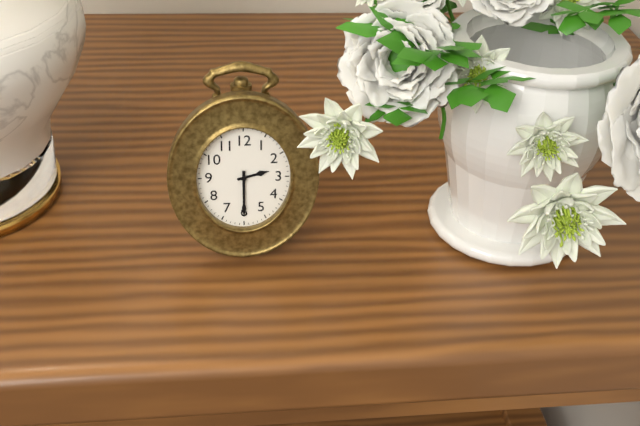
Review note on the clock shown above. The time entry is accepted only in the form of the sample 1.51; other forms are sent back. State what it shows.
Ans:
2.30
